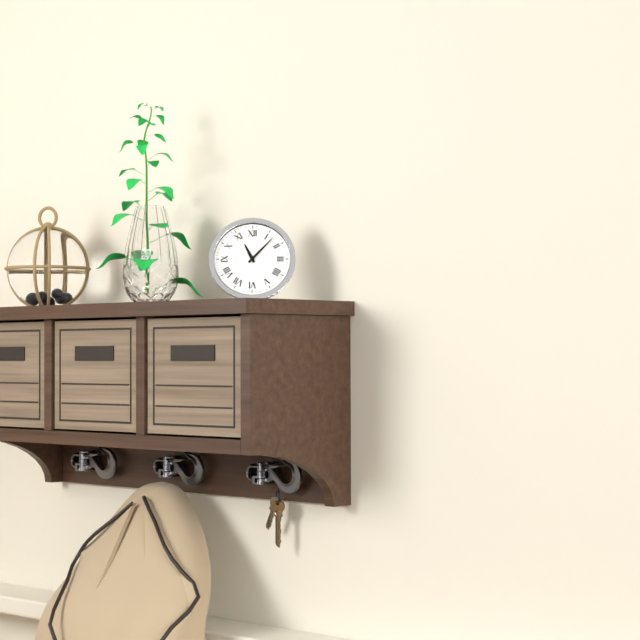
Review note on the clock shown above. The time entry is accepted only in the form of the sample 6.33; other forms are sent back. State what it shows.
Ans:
11.07
